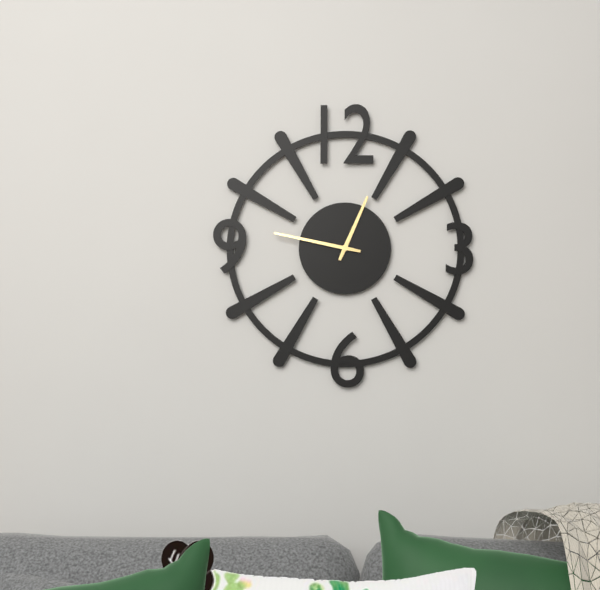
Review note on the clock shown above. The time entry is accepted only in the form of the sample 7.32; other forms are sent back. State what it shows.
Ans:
12.47
